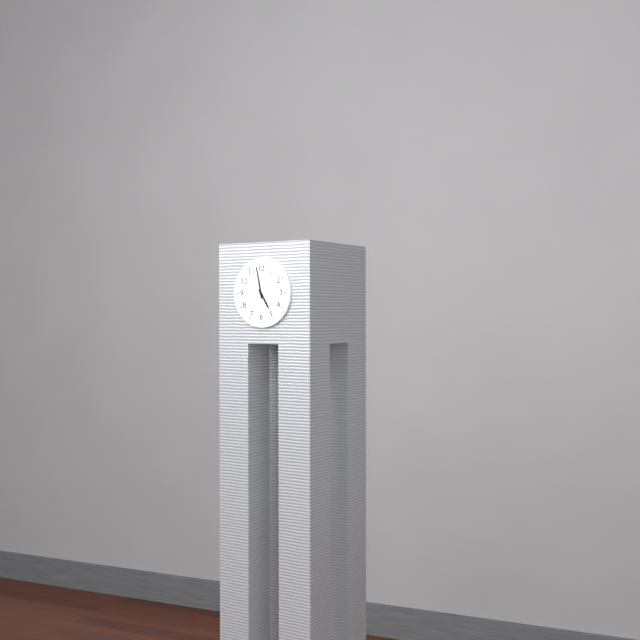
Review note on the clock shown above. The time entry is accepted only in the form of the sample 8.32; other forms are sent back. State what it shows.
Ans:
4.58
